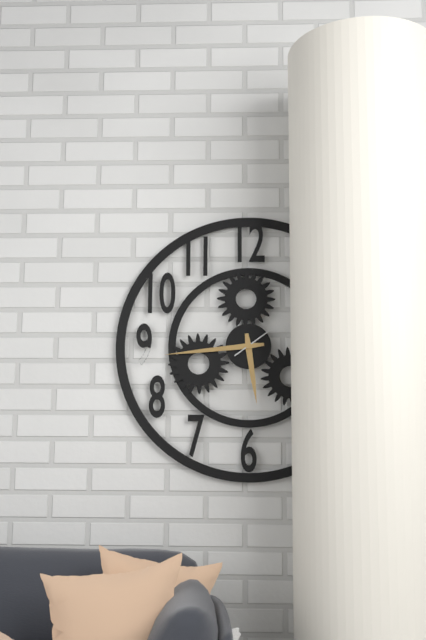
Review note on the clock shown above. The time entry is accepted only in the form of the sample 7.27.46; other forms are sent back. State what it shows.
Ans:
5.44.09
